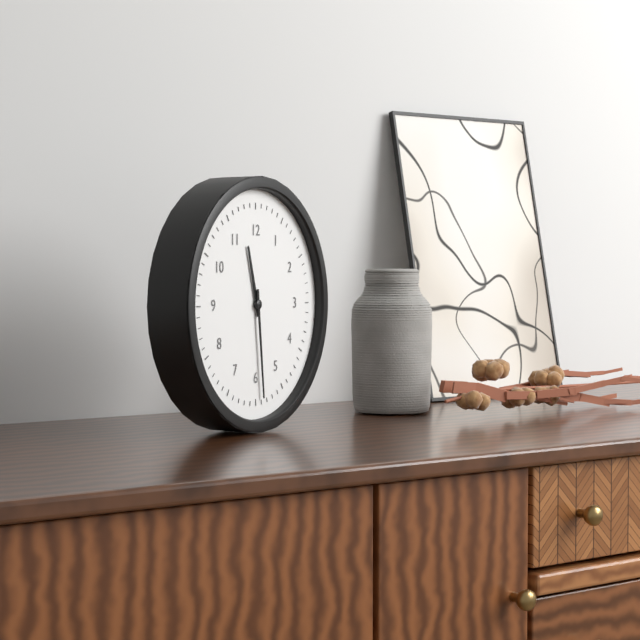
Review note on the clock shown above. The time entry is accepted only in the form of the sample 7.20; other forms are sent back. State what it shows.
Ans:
11.29
